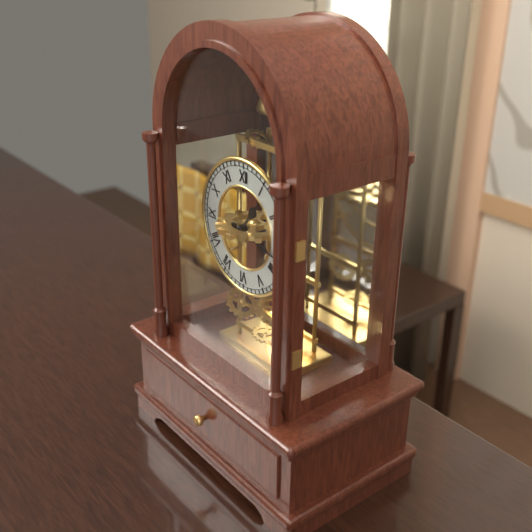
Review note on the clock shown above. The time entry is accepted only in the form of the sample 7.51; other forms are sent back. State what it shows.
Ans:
1.17
